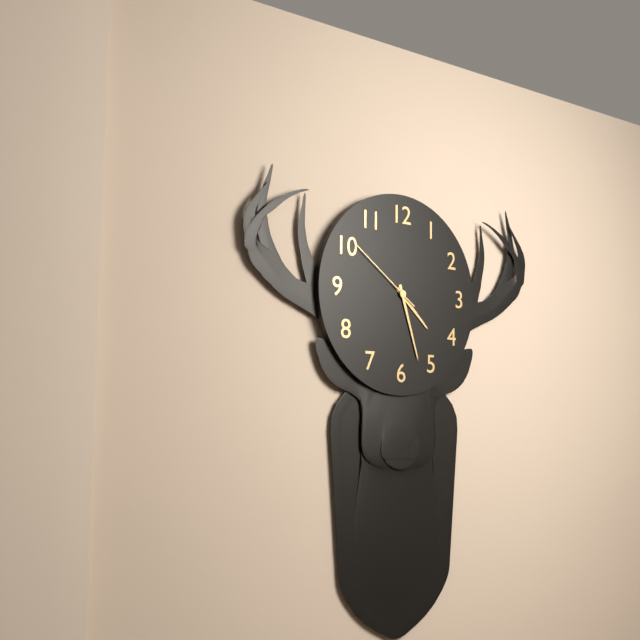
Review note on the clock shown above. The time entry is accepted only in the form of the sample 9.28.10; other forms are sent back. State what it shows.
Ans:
4.27.51
